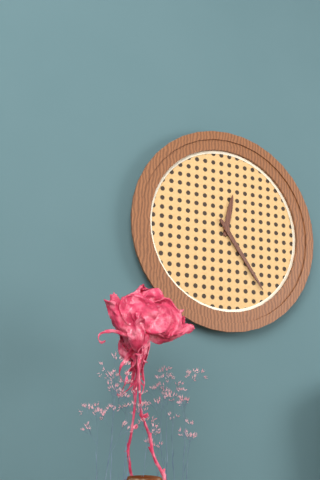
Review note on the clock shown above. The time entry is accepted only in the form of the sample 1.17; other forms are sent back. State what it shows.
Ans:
12.24
